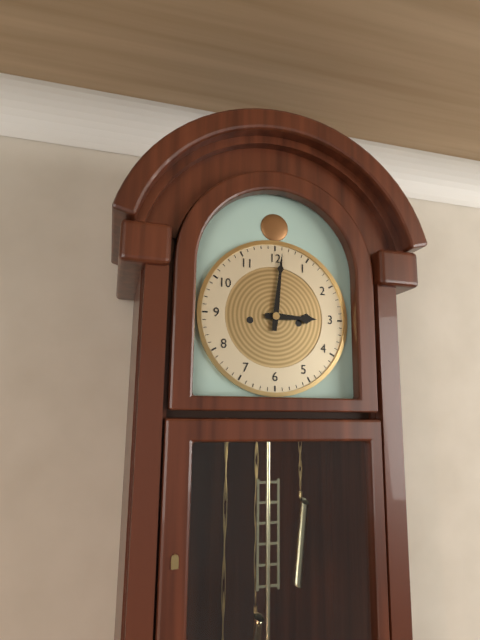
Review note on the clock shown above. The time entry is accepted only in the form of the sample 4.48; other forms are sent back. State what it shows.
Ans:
3.01
